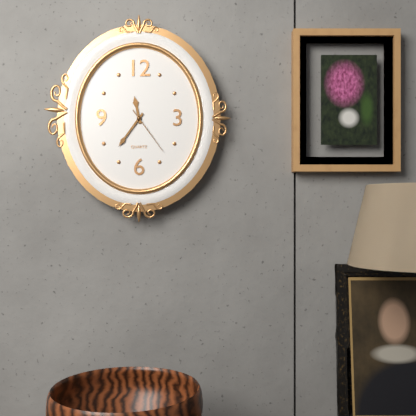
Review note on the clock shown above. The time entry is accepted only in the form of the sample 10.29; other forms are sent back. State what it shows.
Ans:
11.36
